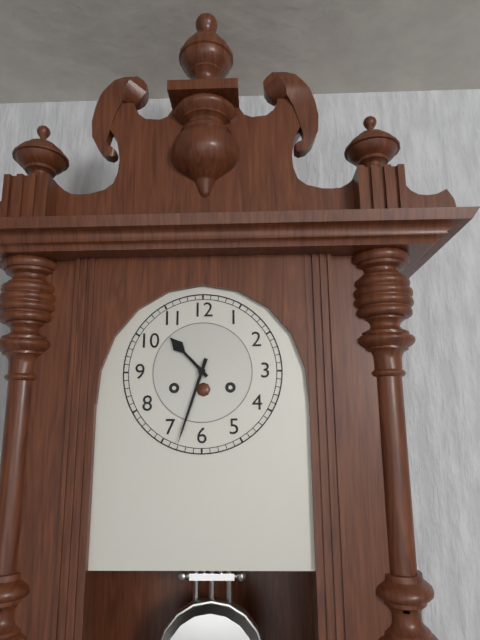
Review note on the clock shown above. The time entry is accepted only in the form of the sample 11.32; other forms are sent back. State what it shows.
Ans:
10.33
